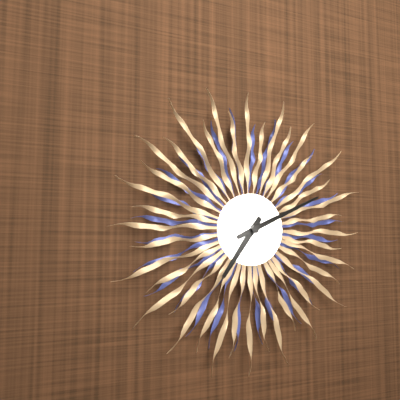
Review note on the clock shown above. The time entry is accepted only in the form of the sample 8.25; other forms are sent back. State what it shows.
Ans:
7.11
